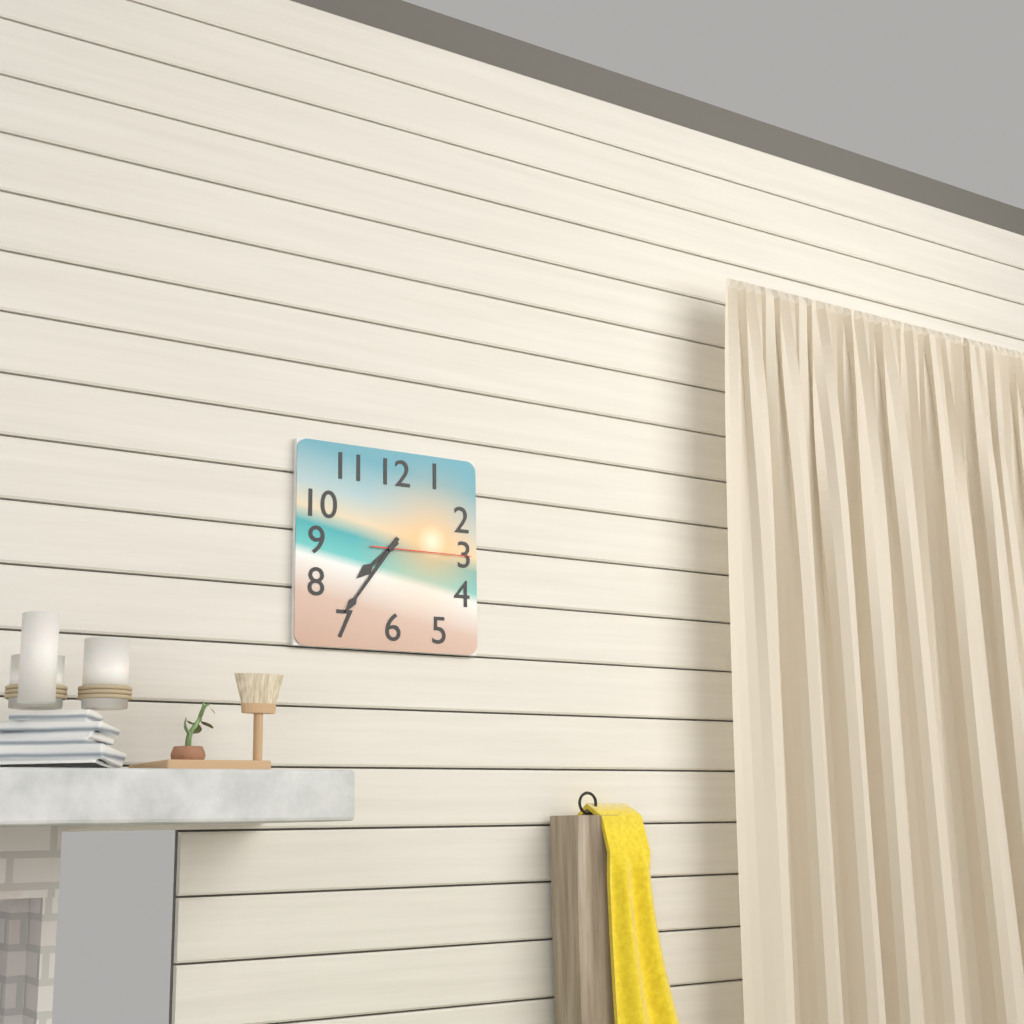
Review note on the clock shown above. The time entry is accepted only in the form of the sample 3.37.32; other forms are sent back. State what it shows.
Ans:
7.36.15
